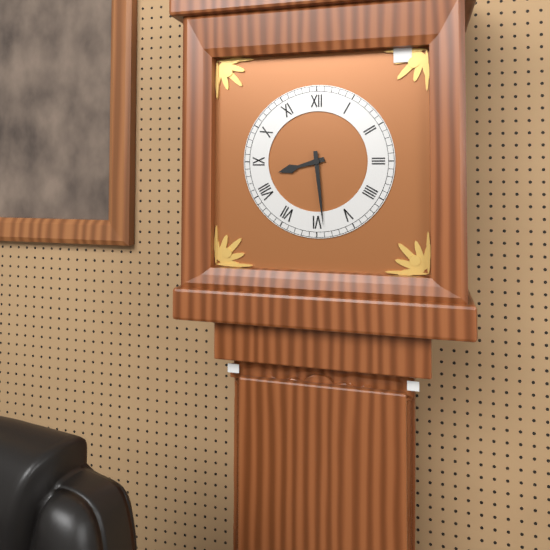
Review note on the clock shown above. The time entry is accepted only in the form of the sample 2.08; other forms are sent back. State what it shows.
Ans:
8.29
